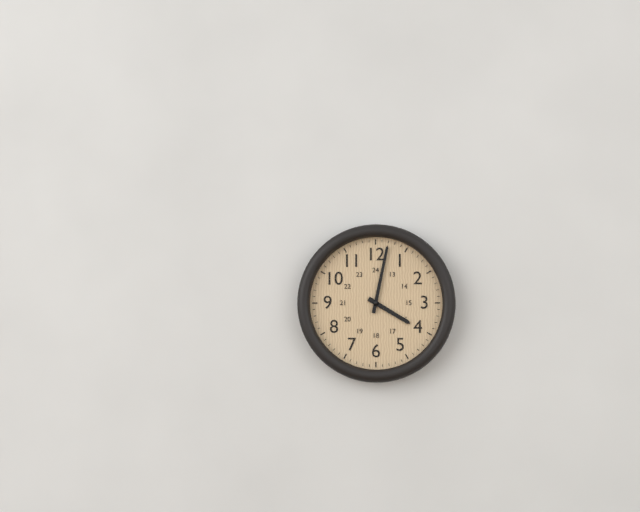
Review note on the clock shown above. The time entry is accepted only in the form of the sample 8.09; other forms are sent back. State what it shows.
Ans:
4.02
